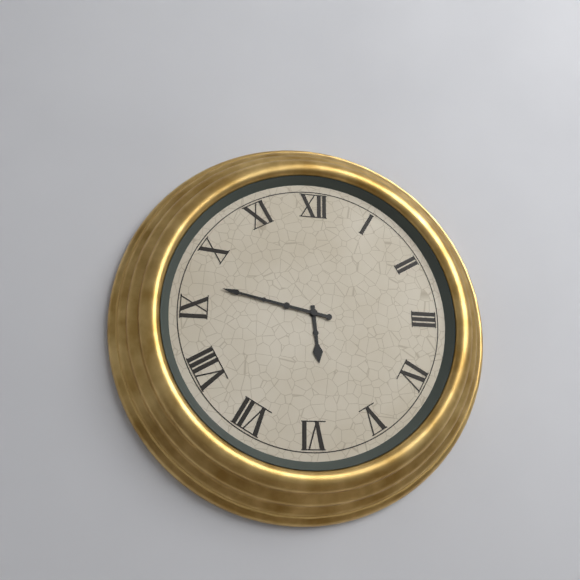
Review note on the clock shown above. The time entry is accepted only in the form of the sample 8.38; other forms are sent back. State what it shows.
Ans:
5.47
